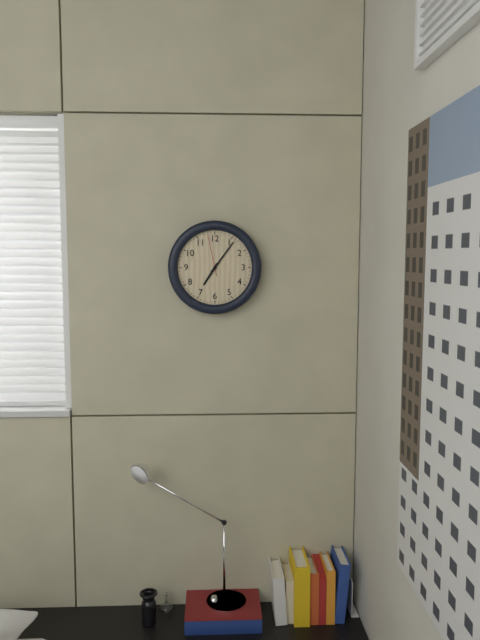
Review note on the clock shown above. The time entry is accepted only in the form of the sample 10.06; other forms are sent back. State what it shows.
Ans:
7.06
